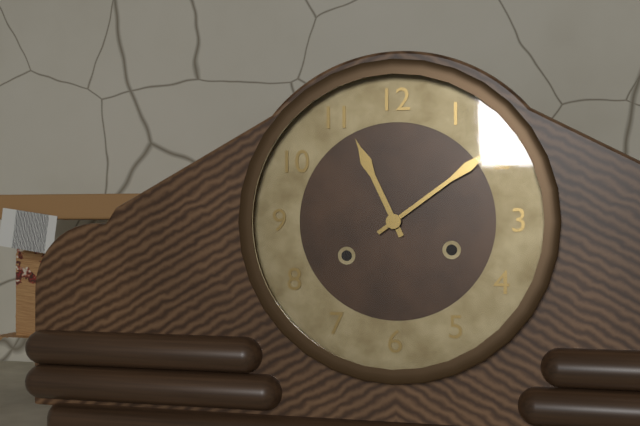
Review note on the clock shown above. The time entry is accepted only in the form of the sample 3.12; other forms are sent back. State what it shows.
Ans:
11.09
